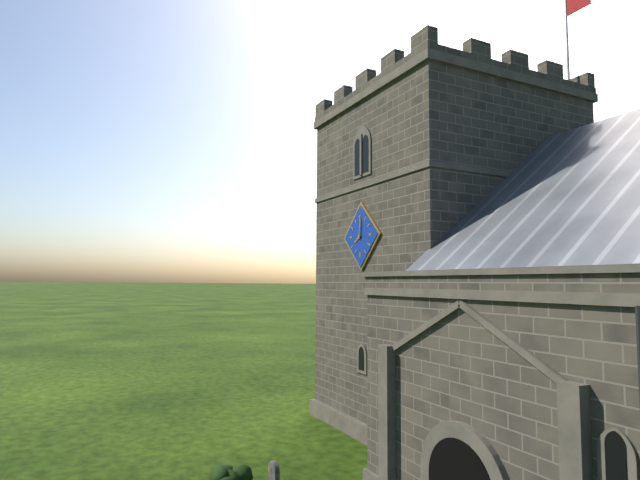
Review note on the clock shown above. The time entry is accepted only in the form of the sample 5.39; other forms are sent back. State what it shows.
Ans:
8.01
